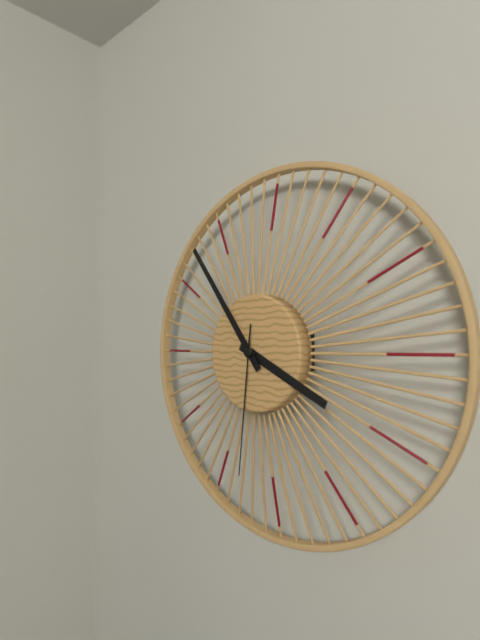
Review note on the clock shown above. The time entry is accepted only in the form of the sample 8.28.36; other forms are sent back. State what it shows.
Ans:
3.54.31
